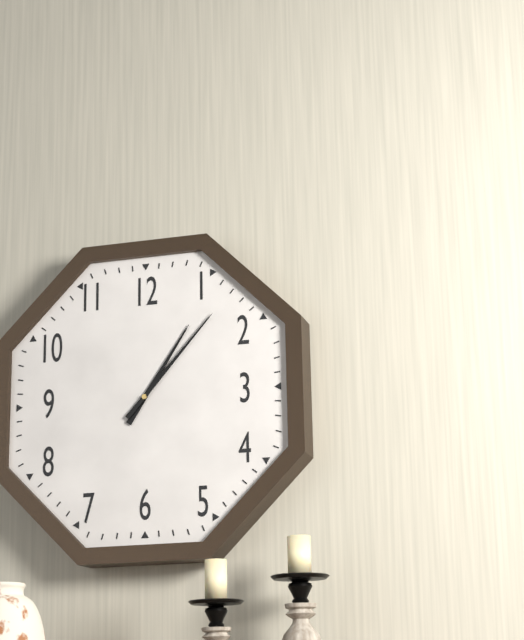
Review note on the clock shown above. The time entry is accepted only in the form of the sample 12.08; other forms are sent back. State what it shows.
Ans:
1.07
